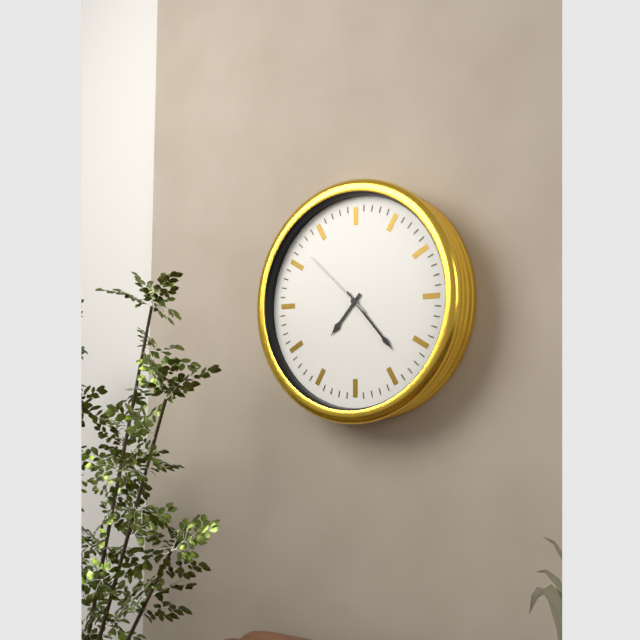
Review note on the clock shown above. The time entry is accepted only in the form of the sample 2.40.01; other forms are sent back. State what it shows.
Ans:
7.23.52
